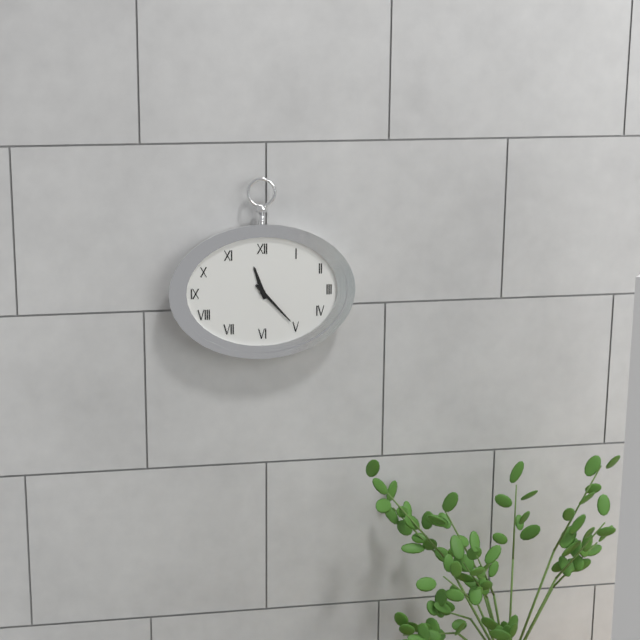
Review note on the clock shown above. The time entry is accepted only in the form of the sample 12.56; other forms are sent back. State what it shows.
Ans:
11.23
